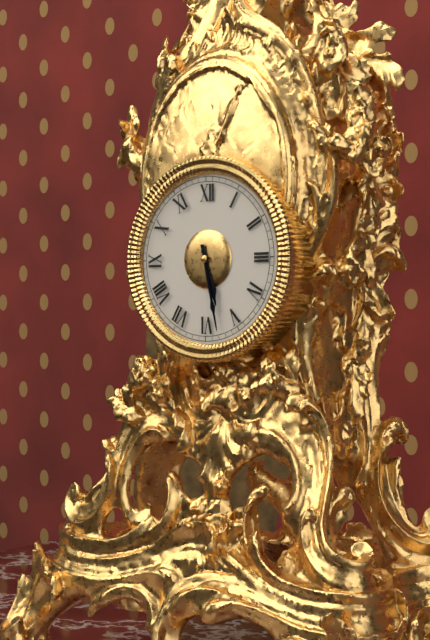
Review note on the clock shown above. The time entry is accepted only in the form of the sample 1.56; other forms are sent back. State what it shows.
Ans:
5.28
